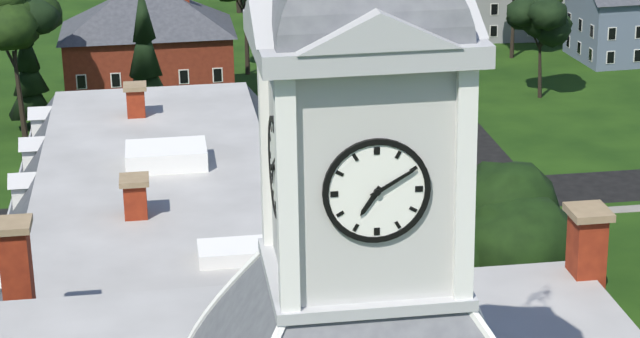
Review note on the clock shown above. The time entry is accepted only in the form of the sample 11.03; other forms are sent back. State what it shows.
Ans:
7.10
